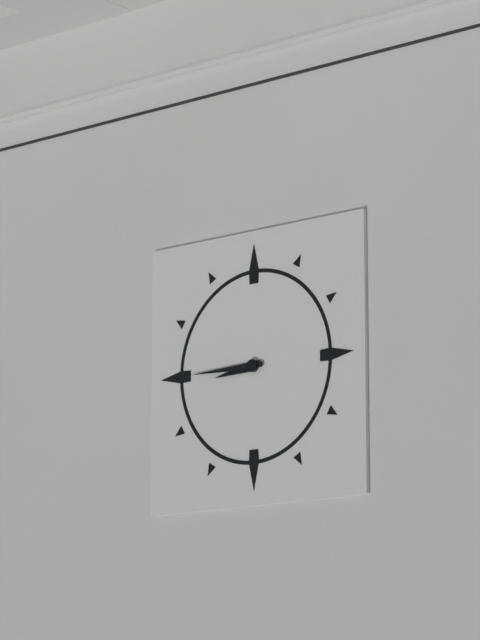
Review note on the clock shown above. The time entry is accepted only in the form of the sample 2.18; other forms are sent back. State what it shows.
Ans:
8.45
